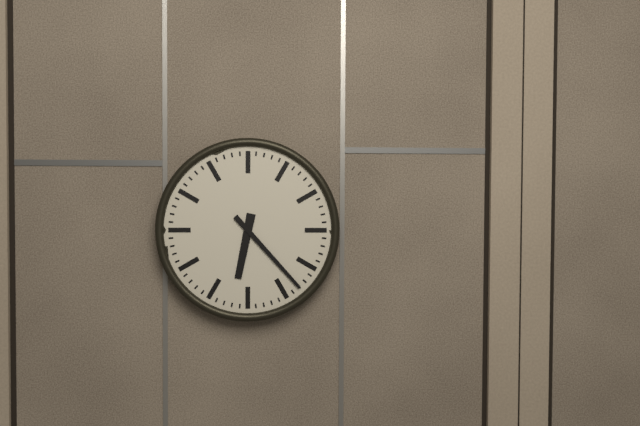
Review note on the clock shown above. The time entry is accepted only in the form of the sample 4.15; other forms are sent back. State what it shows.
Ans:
6.23
